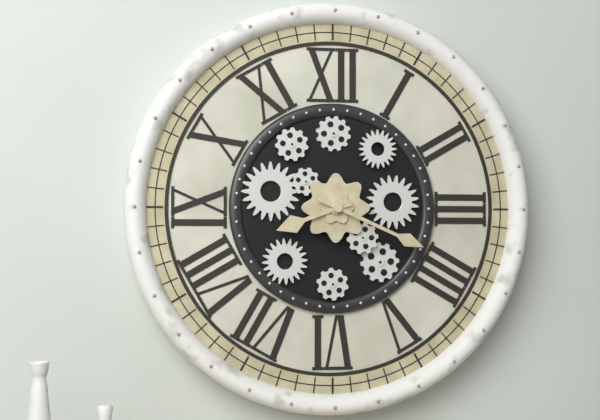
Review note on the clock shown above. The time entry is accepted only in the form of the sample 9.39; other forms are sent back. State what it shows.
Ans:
8.19
